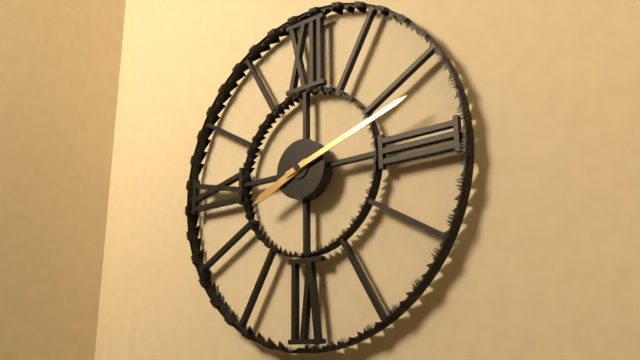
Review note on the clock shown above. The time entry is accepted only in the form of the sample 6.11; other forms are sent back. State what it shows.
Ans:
8.12
